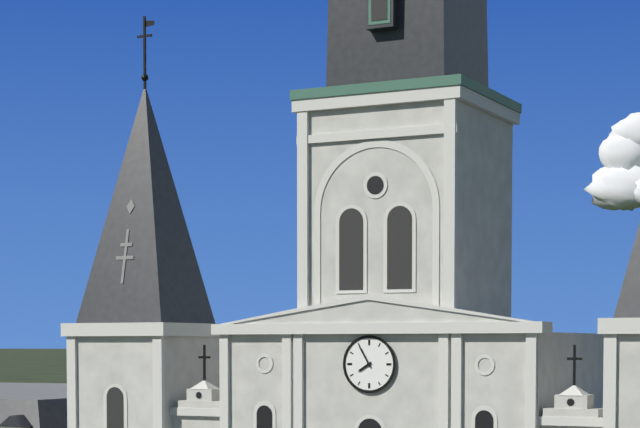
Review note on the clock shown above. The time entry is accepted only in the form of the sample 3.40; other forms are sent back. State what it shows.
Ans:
7.55
